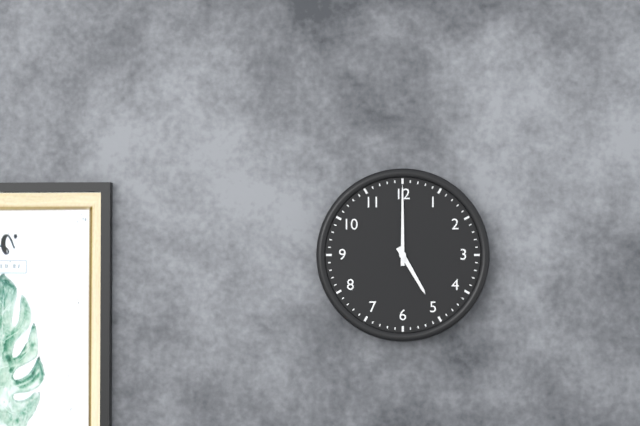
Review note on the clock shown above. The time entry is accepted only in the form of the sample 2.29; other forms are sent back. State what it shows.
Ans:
5.00
